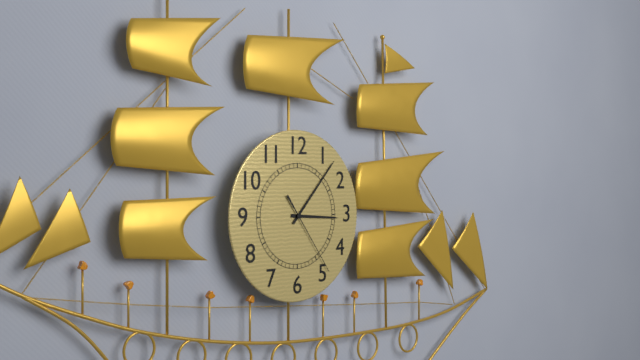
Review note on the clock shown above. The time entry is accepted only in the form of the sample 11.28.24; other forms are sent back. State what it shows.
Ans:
3.07.24
